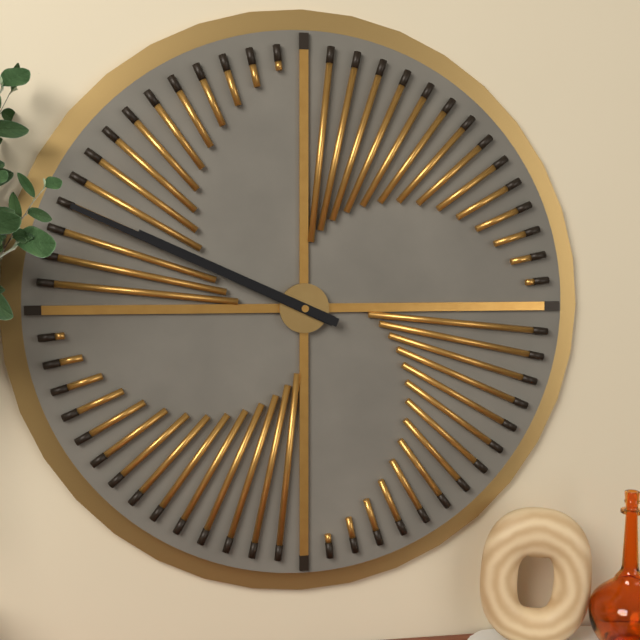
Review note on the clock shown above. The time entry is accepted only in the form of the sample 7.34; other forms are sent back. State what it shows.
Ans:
9.49
